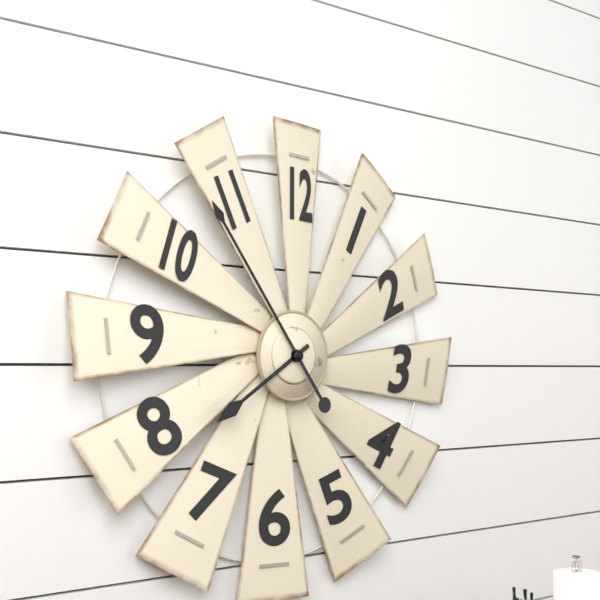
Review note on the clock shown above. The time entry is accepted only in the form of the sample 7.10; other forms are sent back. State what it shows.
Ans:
7.54
